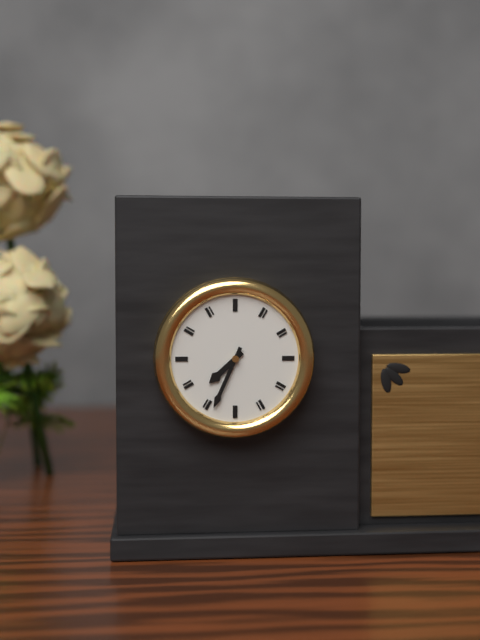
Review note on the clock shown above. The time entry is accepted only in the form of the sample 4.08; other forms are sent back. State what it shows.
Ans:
7.34
